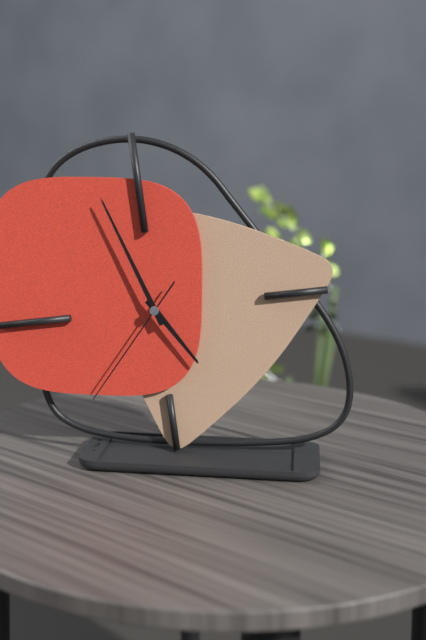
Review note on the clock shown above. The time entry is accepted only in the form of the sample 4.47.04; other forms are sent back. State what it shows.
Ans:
4.57.37
